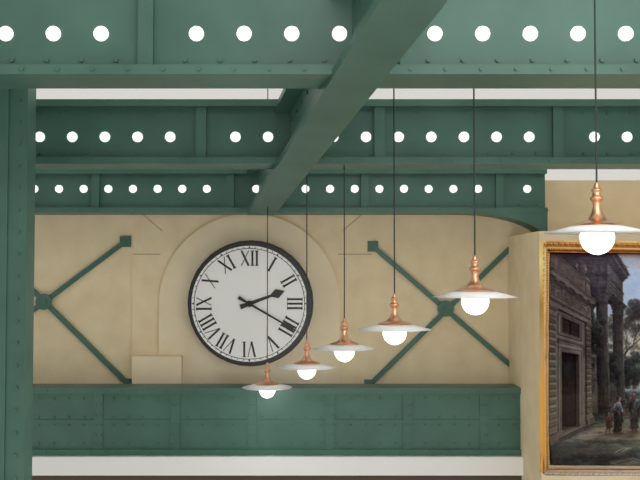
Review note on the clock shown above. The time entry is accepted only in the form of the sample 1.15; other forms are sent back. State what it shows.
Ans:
2.20
